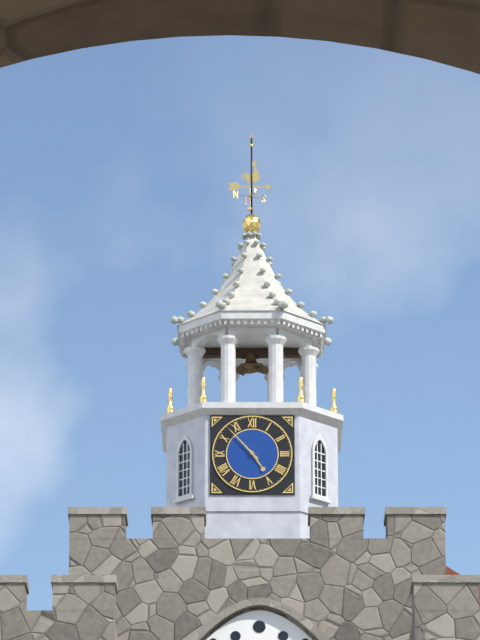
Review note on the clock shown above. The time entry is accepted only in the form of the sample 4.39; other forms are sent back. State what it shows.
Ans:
4.53
